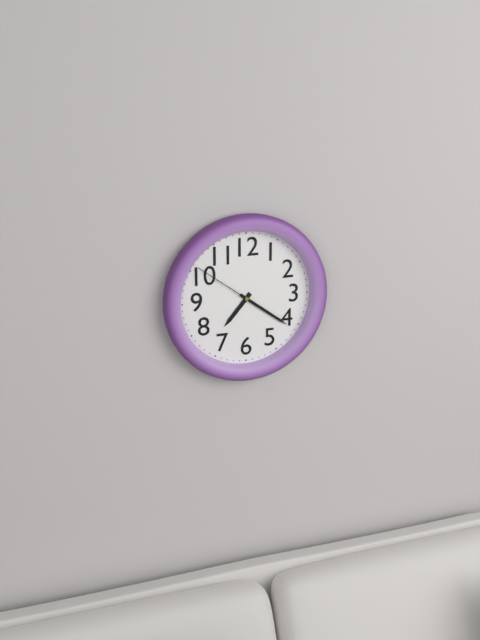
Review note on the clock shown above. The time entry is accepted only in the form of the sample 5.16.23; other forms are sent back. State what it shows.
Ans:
7.21.51
